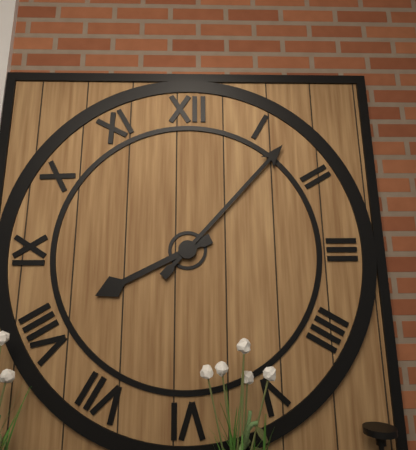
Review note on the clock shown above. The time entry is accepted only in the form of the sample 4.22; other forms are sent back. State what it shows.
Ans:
8.07
